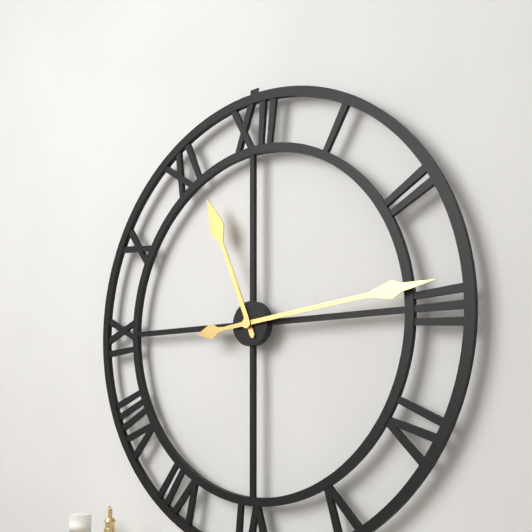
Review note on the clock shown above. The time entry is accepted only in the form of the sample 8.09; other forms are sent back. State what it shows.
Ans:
11.14
